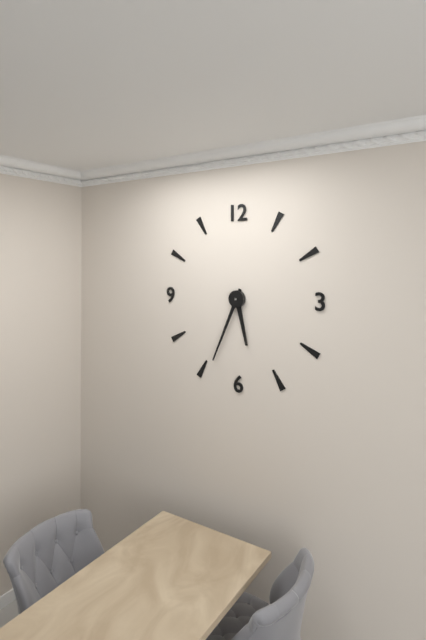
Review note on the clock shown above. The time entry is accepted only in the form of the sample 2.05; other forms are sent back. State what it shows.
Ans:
5.34
